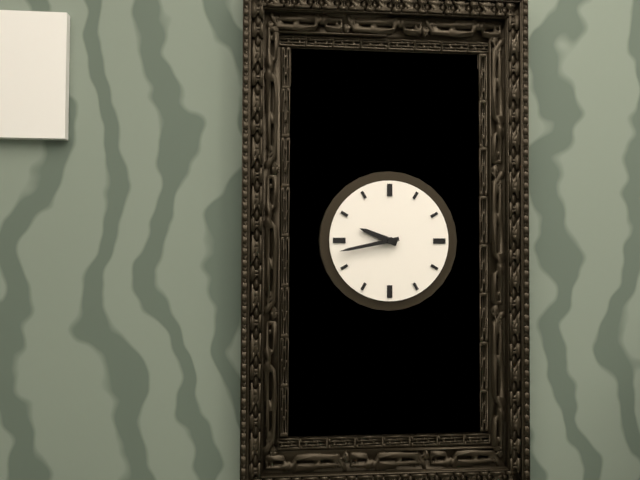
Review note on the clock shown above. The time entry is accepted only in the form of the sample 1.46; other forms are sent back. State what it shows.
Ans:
9.43
